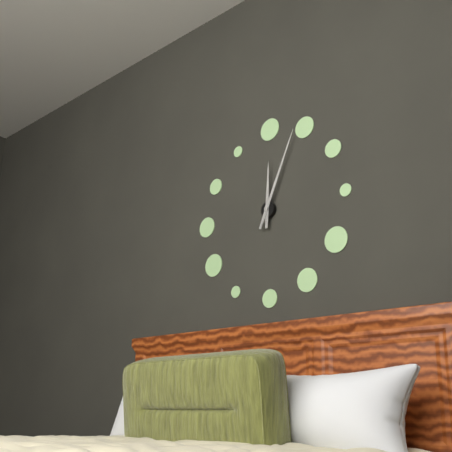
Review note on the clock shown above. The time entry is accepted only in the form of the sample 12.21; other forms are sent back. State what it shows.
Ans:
12.04
